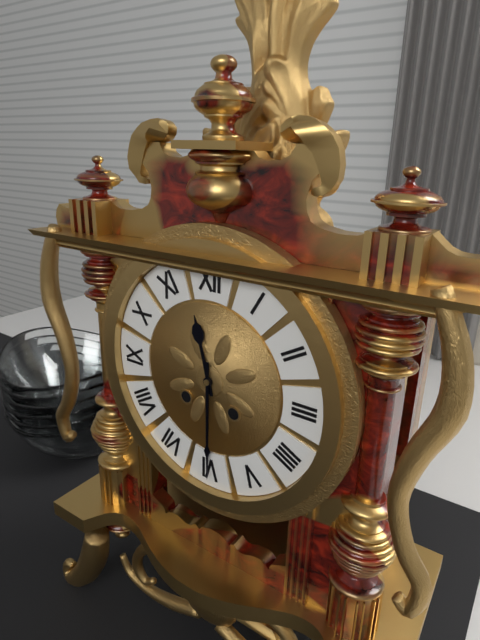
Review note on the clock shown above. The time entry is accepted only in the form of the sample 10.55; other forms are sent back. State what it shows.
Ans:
11.30
